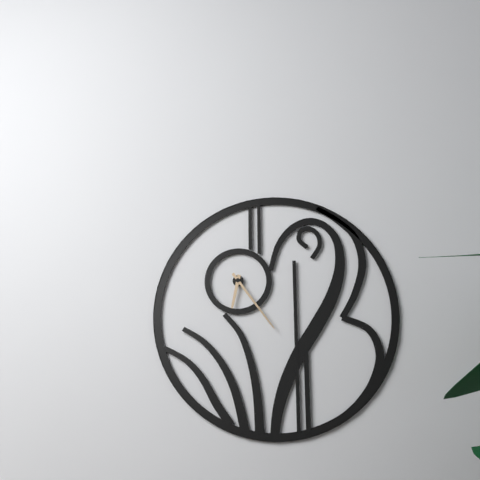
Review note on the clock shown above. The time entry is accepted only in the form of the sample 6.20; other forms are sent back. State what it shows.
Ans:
6.24
